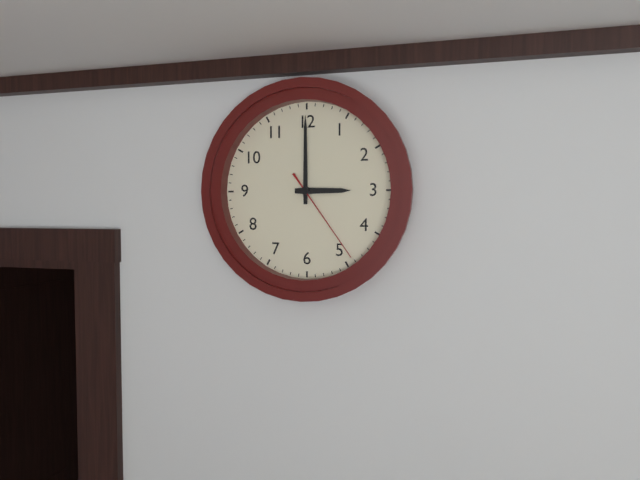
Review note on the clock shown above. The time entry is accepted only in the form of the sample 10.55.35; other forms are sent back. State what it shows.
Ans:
3.00.24
